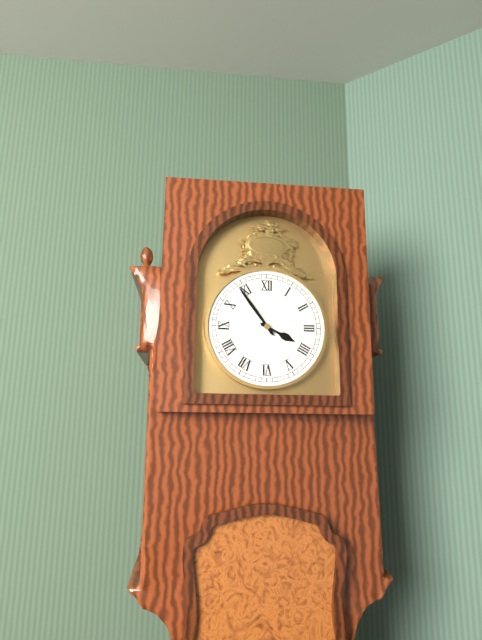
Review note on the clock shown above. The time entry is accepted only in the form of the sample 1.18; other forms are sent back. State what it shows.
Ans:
3.54
